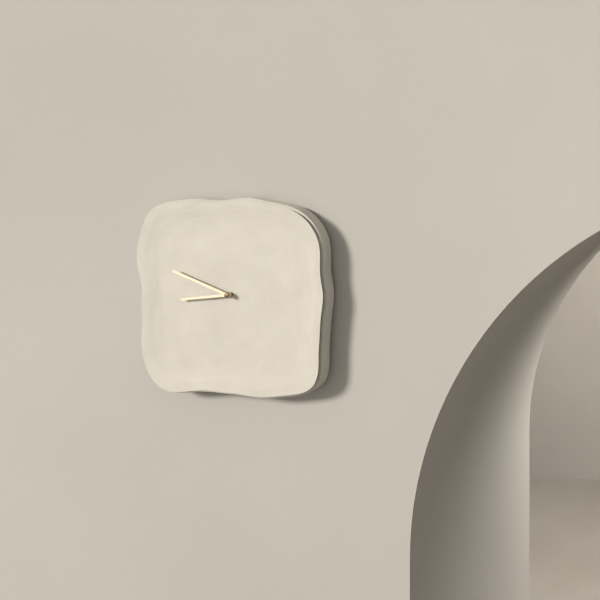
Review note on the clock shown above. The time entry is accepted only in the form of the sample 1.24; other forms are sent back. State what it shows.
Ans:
8.49
